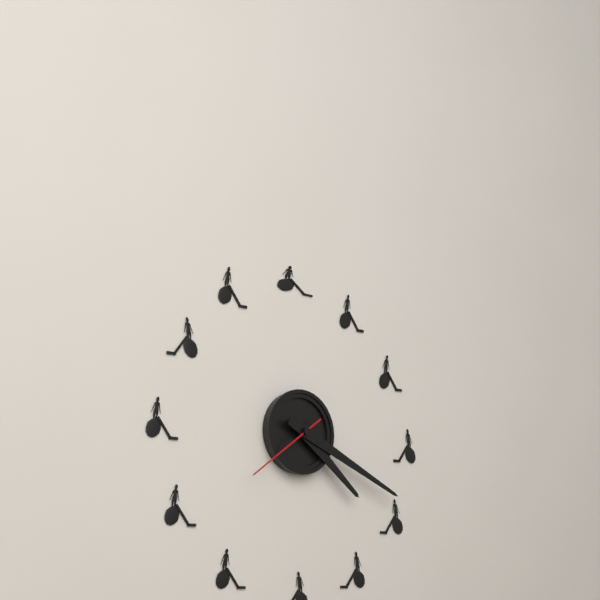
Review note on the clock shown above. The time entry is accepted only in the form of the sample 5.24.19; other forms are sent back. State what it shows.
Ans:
4.19.39
